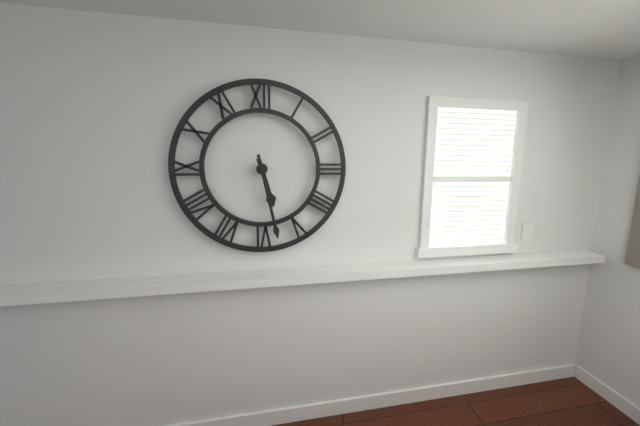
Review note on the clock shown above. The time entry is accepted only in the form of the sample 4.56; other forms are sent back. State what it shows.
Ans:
5.28
